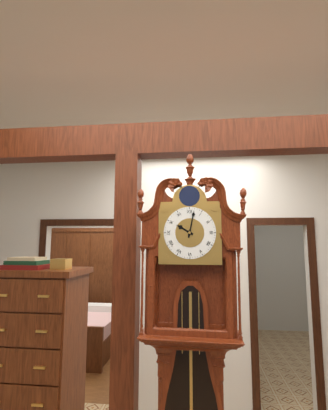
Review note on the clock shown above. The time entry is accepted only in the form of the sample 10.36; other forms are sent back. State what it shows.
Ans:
10.02
